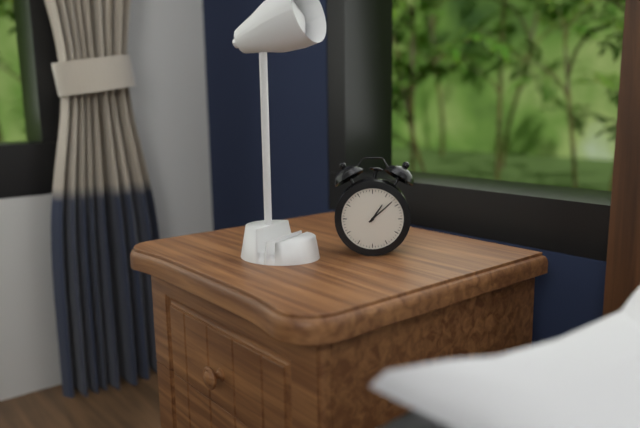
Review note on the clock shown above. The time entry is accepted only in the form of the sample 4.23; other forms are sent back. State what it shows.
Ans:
1.08
